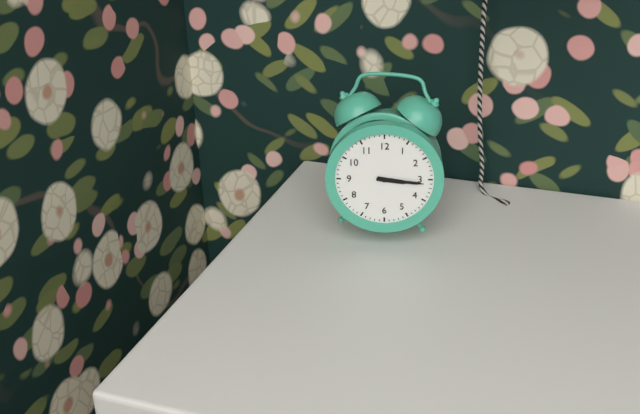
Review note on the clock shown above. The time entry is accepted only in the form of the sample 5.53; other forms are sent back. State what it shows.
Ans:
3.16
